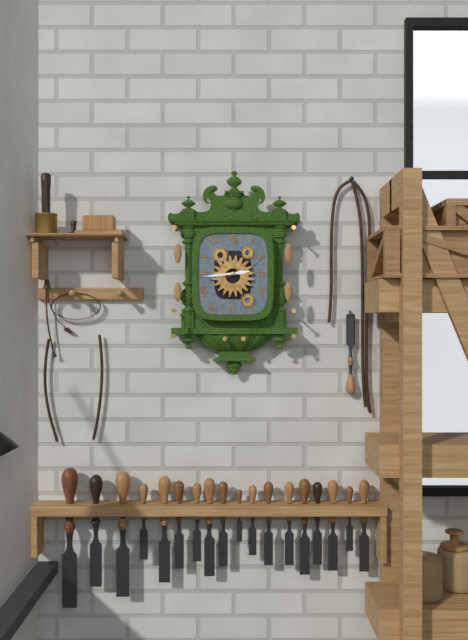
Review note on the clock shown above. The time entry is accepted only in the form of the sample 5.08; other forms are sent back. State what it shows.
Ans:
2.44
